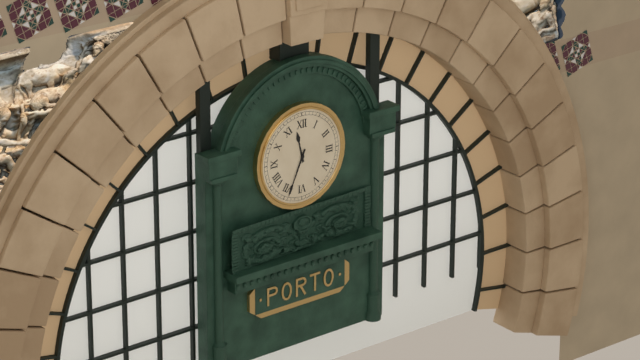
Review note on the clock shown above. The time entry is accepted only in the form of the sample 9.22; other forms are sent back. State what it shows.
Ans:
11.34
